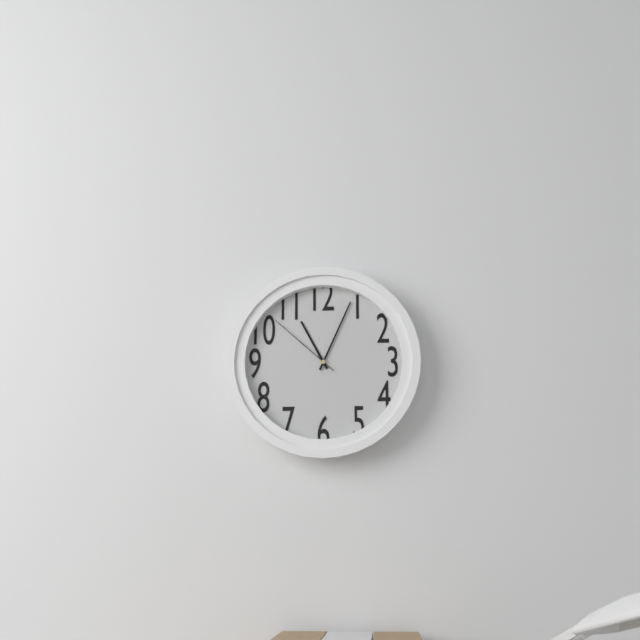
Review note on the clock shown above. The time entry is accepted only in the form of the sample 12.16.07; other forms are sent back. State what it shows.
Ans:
11.04.52
